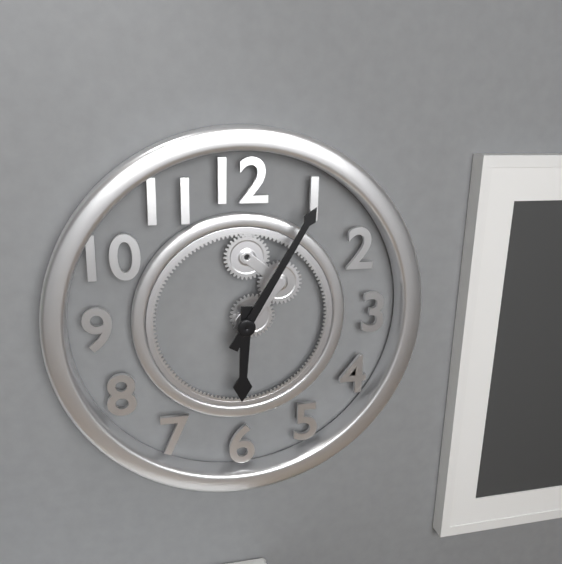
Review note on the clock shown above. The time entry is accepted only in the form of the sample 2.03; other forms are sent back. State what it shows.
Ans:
6.05
